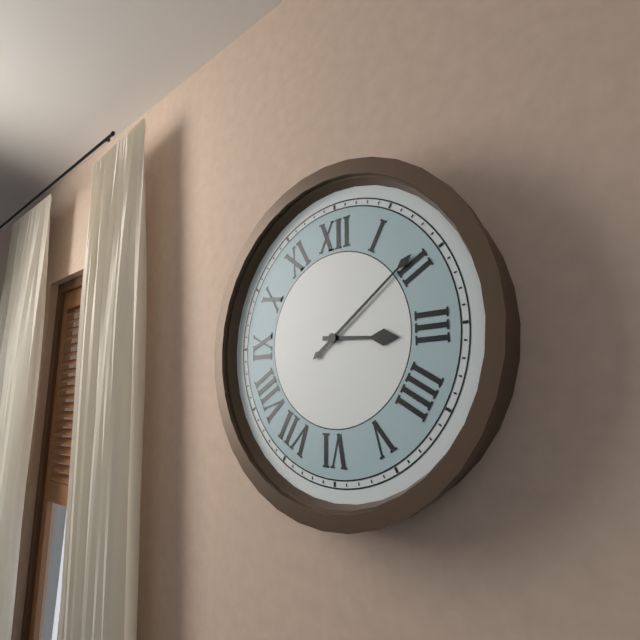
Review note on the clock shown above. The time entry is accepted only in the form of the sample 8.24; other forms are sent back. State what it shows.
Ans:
3.09
